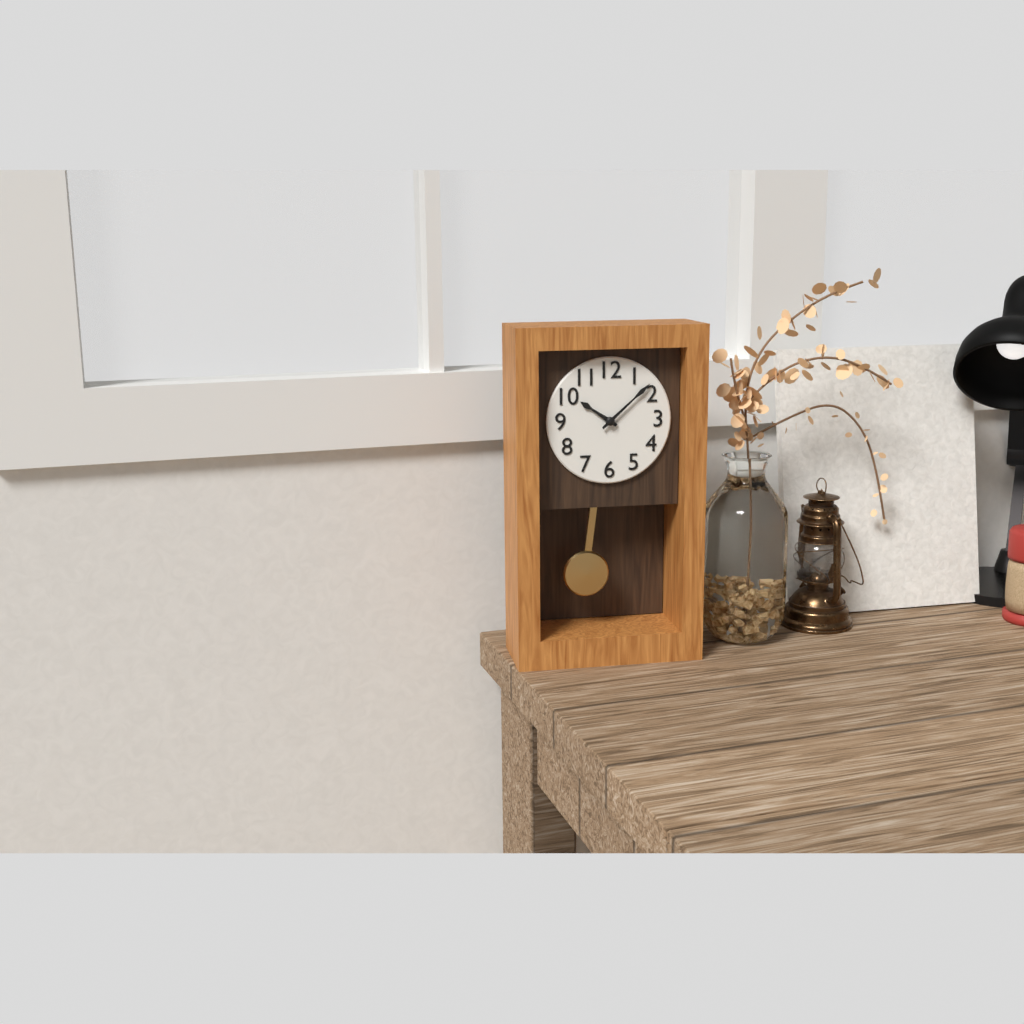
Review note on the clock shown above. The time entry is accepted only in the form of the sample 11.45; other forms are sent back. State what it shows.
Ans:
10.08
